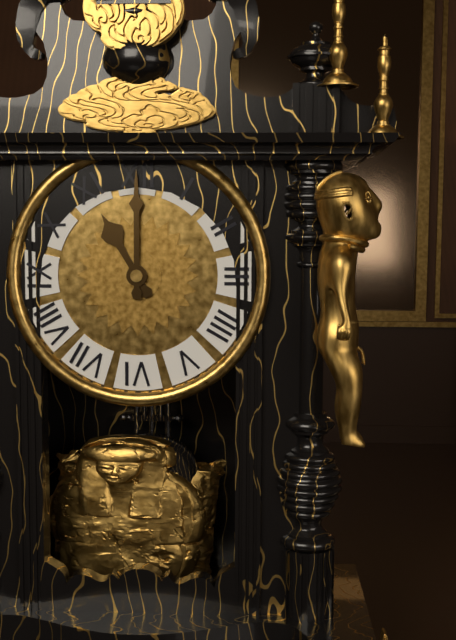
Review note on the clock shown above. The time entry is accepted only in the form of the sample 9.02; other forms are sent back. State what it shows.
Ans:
11.00
